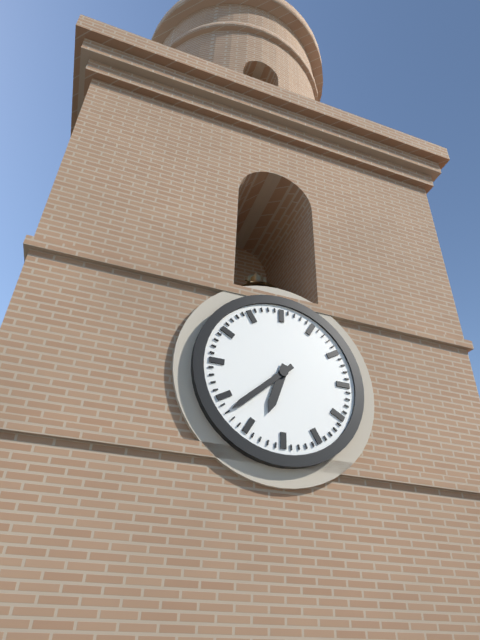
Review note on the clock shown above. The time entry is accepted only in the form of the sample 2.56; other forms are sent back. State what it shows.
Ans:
6.38
